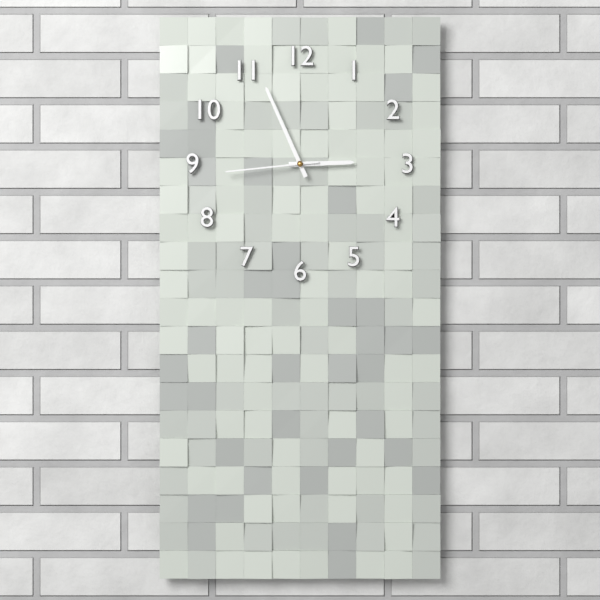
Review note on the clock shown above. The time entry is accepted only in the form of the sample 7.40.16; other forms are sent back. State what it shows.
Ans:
2.56.44
